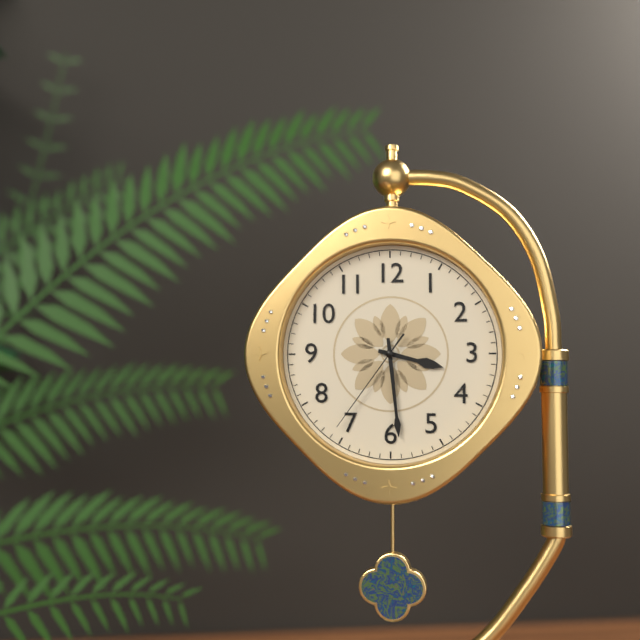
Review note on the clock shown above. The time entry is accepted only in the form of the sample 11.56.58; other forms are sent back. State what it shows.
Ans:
3.29.36
